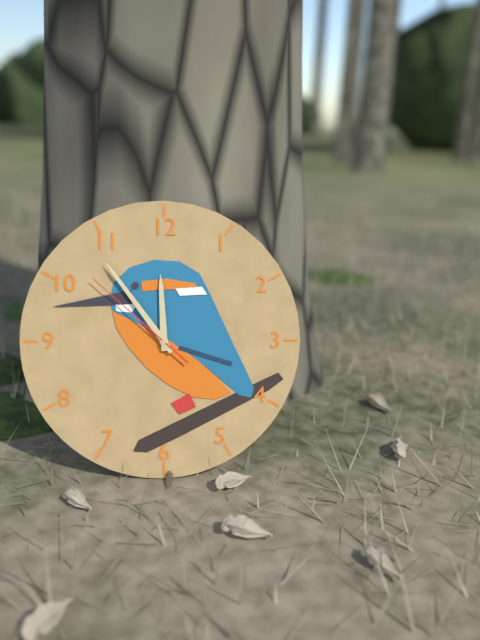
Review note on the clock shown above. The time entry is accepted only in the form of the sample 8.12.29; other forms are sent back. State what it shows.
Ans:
11.54.52
